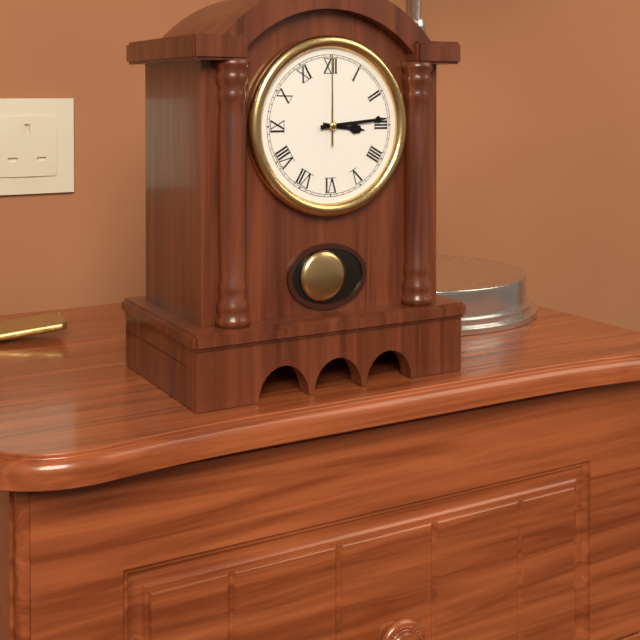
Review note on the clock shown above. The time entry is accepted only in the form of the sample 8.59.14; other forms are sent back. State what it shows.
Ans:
3.14.00
